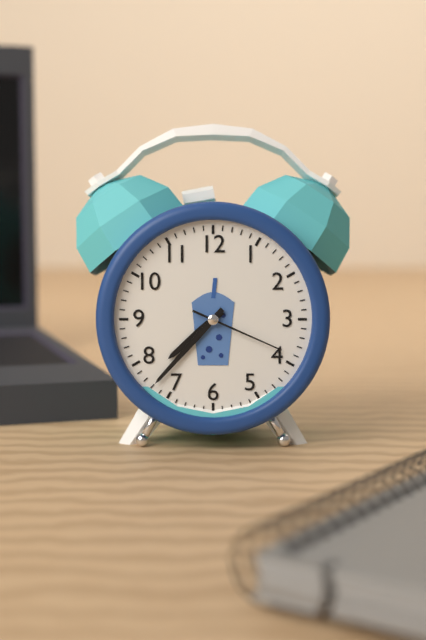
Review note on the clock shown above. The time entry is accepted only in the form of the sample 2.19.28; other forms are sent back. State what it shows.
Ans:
7.37.19
